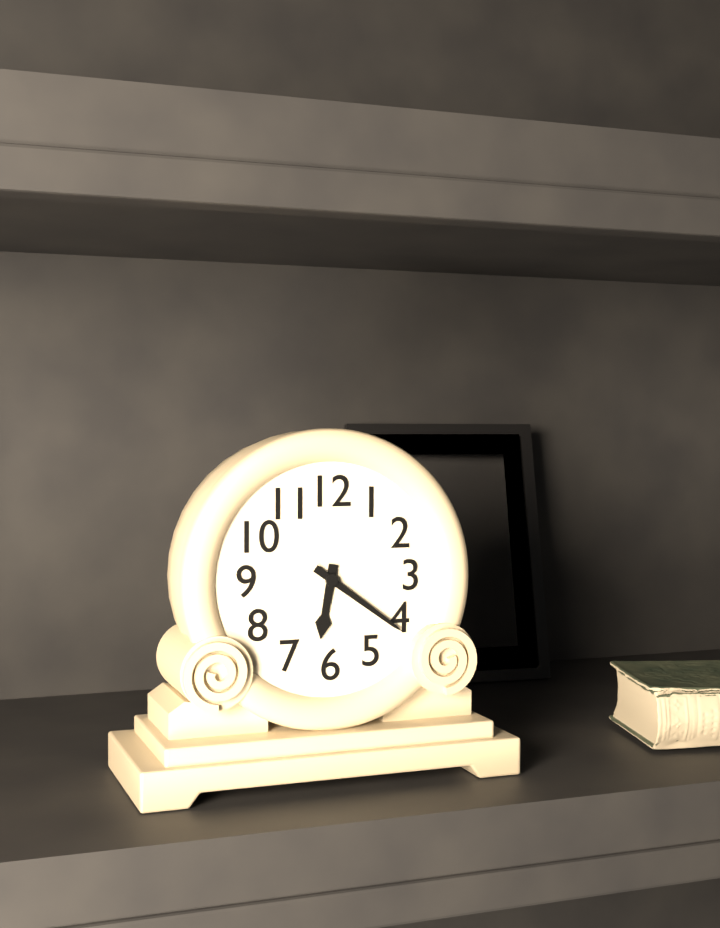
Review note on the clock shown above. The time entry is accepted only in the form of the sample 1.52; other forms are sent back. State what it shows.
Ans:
6.21
